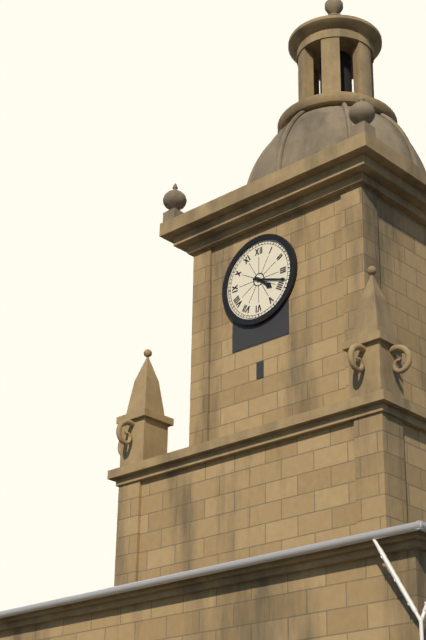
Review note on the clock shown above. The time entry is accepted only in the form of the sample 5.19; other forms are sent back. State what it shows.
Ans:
4.18
